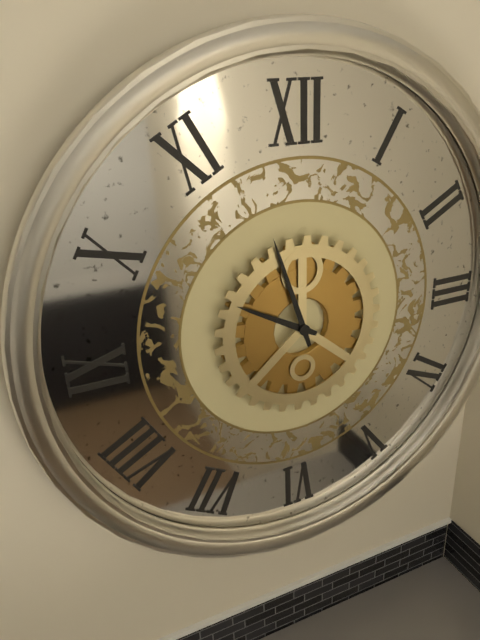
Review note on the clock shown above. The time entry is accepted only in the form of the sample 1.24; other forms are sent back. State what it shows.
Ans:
9.57
